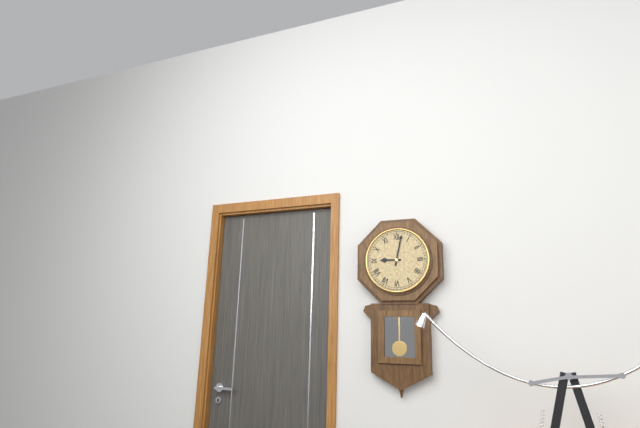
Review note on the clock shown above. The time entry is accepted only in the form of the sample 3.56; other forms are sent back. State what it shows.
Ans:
9.02
